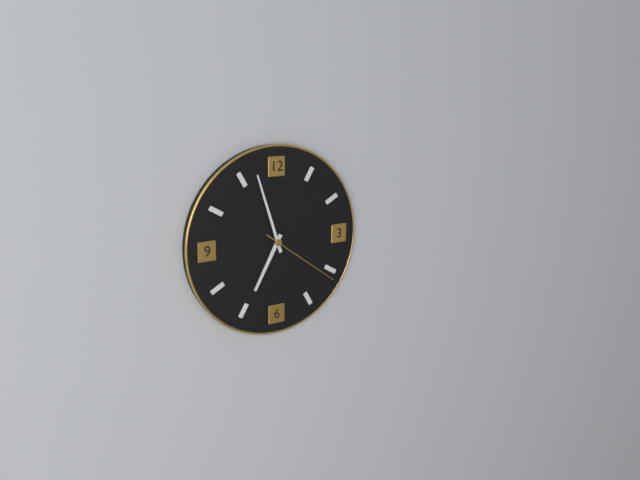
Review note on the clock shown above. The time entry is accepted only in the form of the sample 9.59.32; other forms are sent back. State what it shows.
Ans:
6.57.21
